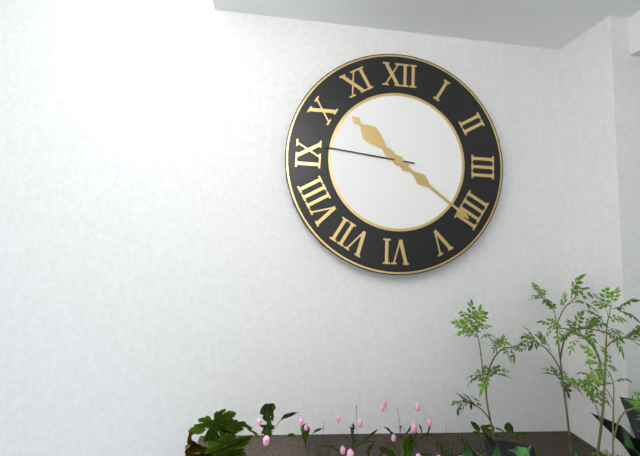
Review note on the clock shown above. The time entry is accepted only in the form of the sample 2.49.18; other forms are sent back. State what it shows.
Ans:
10.21.46
